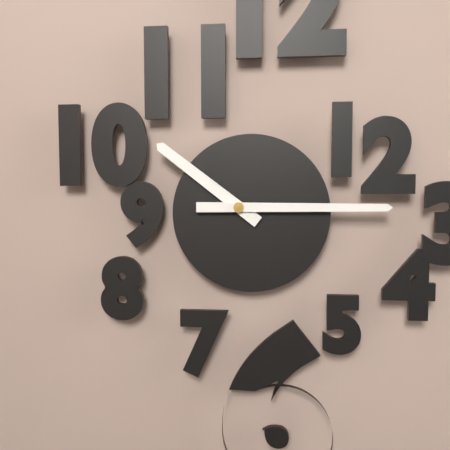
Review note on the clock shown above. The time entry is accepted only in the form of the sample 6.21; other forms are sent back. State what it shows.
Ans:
10.15
